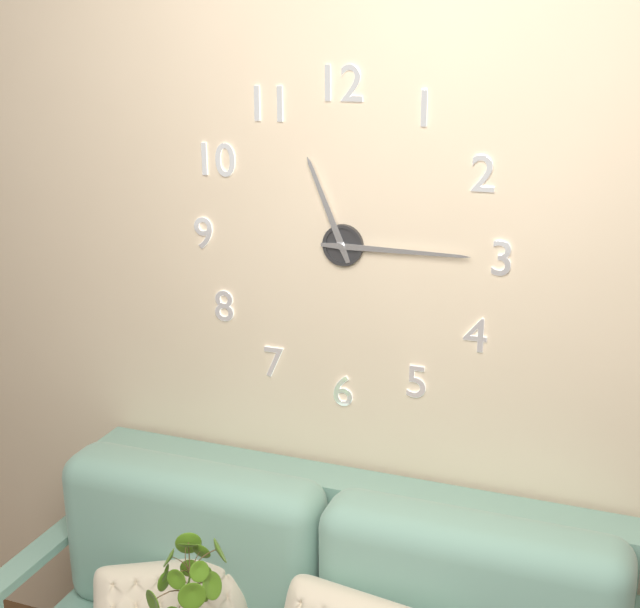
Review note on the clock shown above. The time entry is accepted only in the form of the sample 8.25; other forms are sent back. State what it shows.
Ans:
11.15
